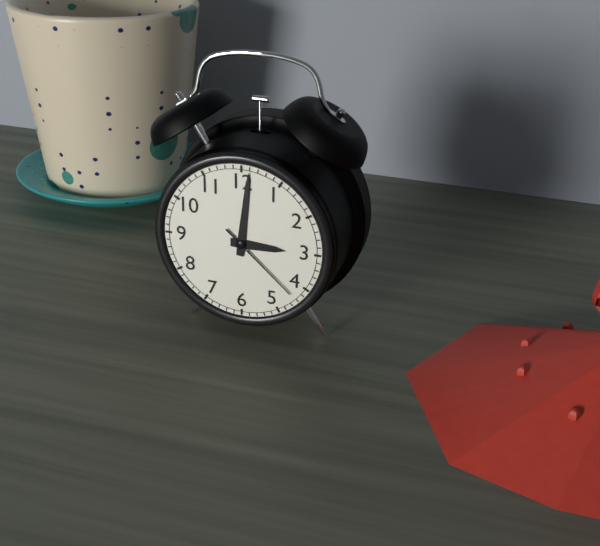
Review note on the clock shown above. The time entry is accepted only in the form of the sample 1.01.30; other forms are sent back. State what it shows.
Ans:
3.01.22
